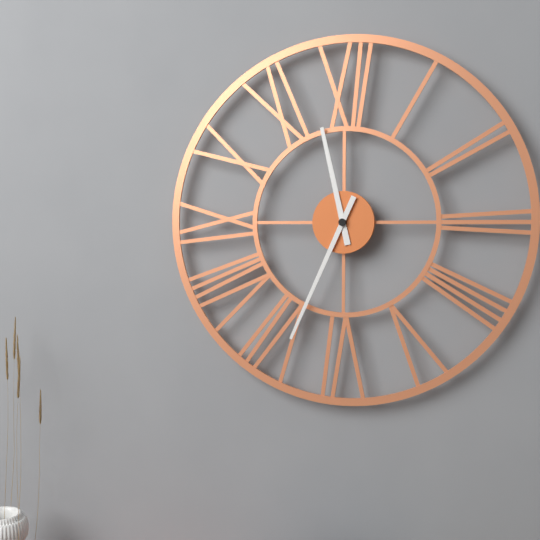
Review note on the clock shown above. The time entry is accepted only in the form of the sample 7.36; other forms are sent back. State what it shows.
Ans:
11.34
